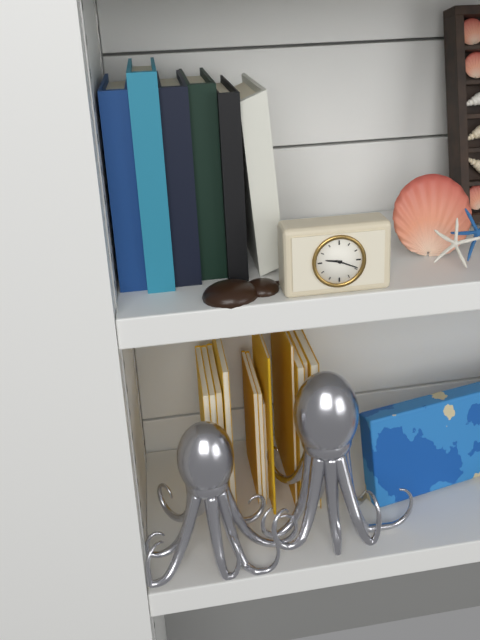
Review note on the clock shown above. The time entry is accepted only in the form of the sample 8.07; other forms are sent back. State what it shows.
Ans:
9.19
